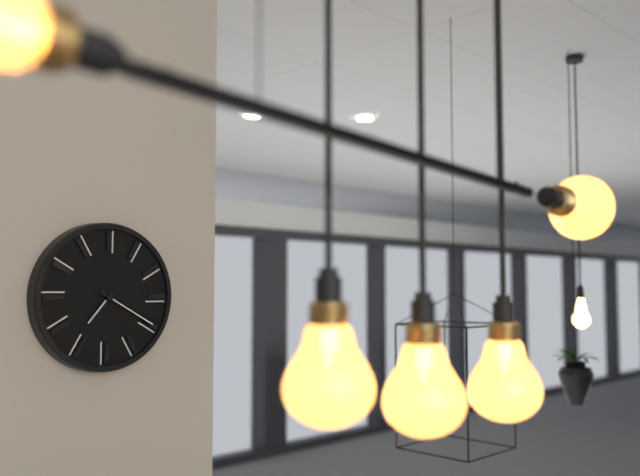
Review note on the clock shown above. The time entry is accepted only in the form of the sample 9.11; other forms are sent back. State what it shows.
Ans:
7.20
